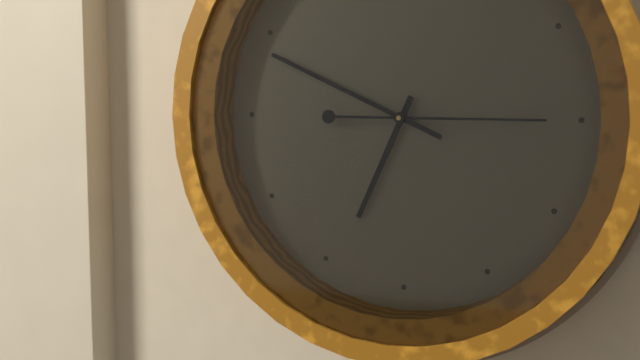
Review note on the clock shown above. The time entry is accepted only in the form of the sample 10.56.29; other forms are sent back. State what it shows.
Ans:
6.49.15
